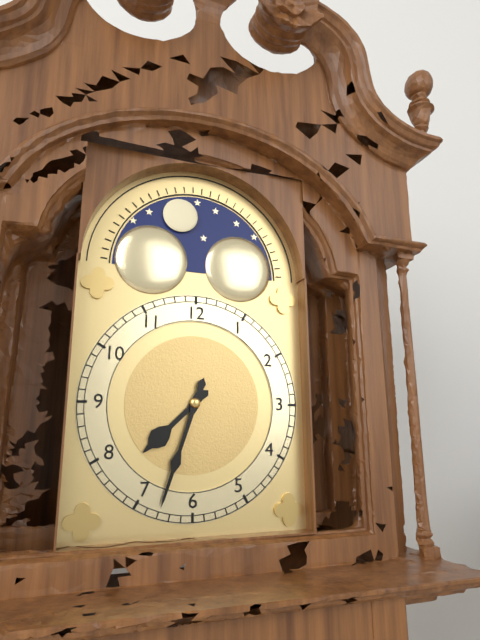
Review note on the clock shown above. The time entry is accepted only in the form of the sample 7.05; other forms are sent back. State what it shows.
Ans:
7.33
